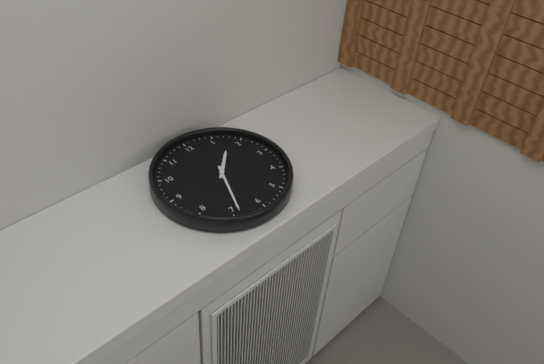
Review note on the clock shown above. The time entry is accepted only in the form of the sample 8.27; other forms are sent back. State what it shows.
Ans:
1.34
